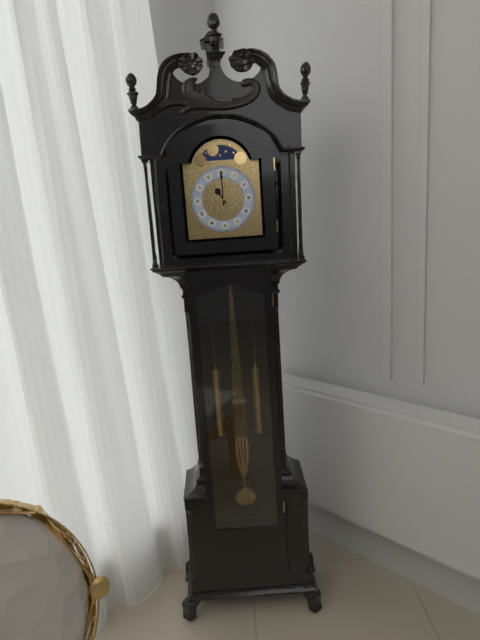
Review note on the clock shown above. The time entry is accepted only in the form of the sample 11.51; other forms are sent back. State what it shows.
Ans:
11.00
